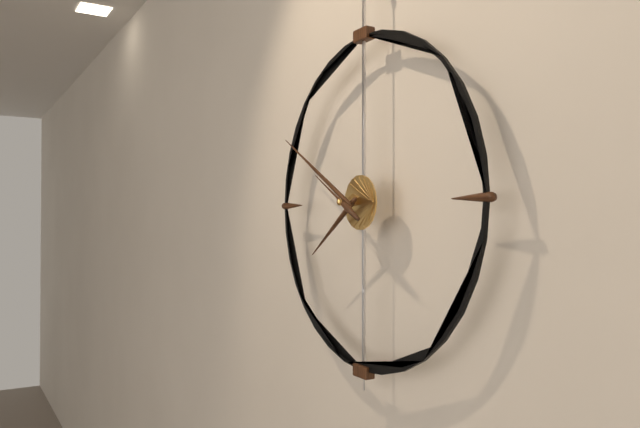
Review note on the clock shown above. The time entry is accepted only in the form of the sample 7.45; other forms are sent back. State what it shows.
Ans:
7.50
